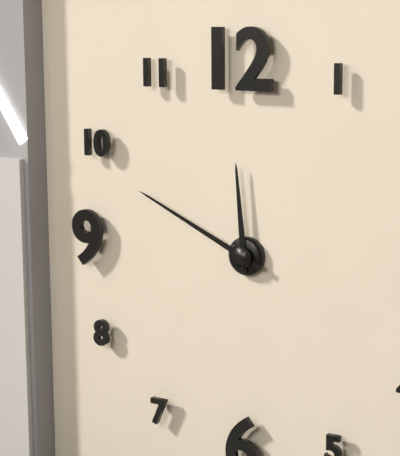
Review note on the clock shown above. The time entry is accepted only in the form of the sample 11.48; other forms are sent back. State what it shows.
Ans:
11.49
